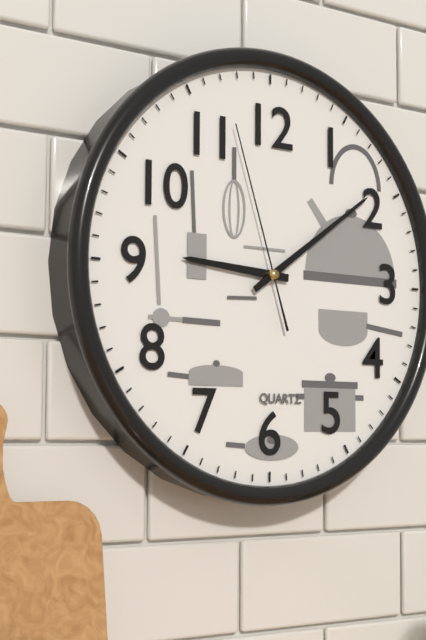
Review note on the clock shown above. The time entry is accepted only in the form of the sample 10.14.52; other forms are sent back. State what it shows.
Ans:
9.09.57
